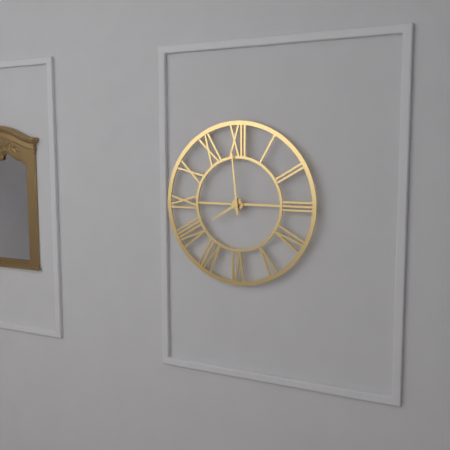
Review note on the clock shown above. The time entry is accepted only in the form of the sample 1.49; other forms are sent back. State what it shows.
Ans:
7.59
